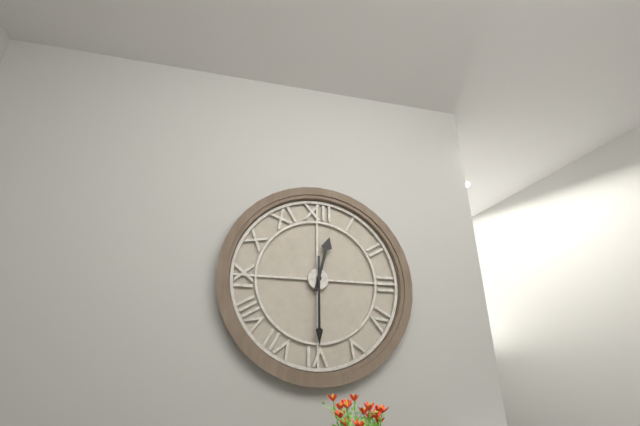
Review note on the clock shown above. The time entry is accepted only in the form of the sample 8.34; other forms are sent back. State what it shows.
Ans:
12.30
